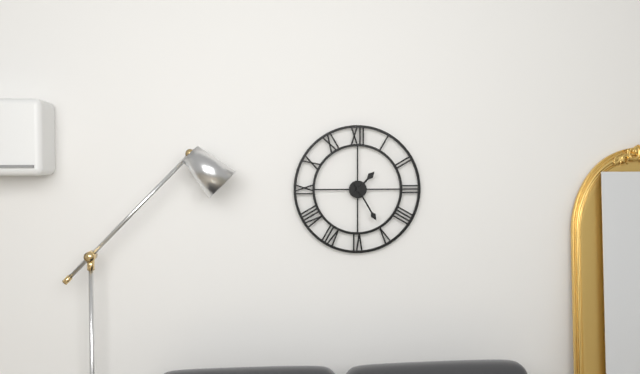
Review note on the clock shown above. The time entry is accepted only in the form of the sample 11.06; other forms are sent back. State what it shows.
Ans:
1.25
